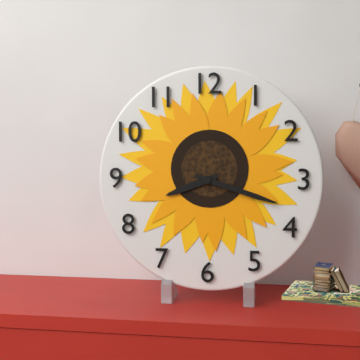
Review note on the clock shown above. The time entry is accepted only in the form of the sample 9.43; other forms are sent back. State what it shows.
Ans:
8.18
